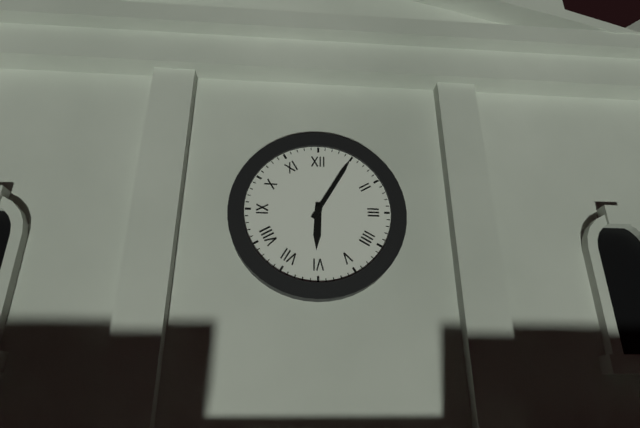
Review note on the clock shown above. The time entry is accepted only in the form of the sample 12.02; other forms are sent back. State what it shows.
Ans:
6.05
